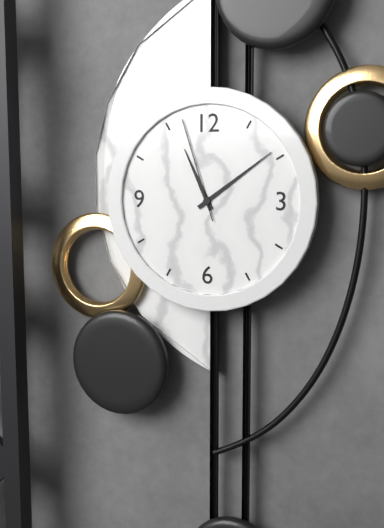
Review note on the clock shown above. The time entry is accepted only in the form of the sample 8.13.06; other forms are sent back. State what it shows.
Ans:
11.09.57
